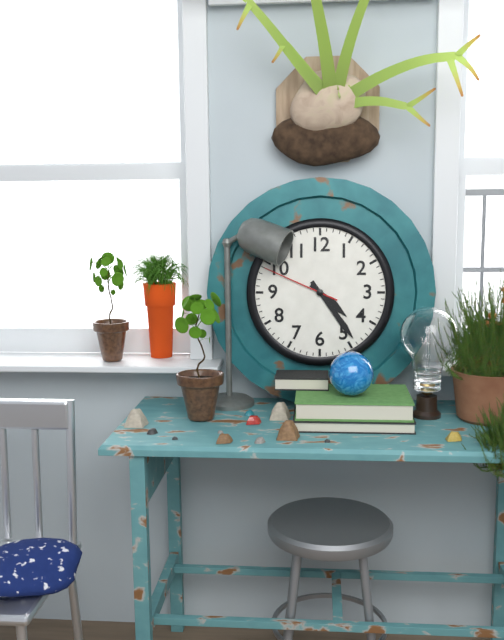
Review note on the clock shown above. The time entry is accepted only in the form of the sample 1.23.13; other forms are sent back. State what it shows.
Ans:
4.24.49
